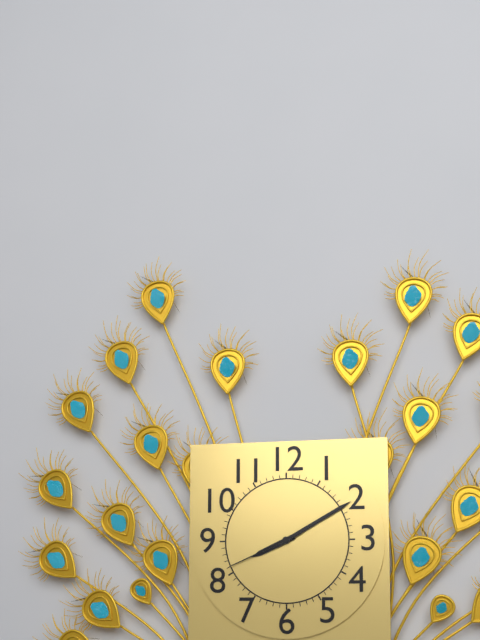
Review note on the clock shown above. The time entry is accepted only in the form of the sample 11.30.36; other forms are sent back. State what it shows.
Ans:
8.10.41
